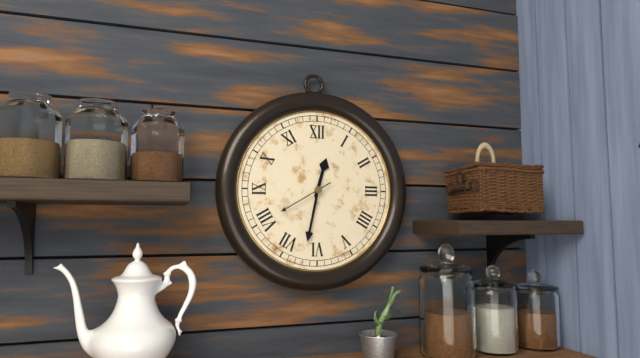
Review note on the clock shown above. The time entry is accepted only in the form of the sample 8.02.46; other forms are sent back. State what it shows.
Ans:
12.32.40
